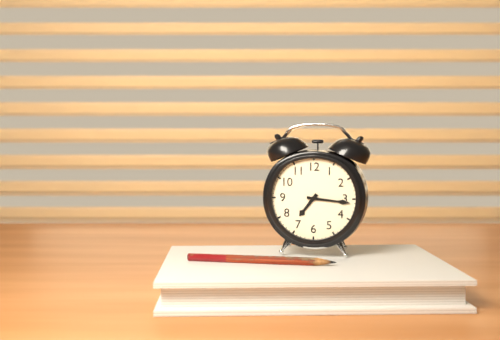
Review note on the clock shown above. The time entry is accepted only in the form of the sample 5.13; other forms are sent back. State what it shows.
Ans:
7.16
